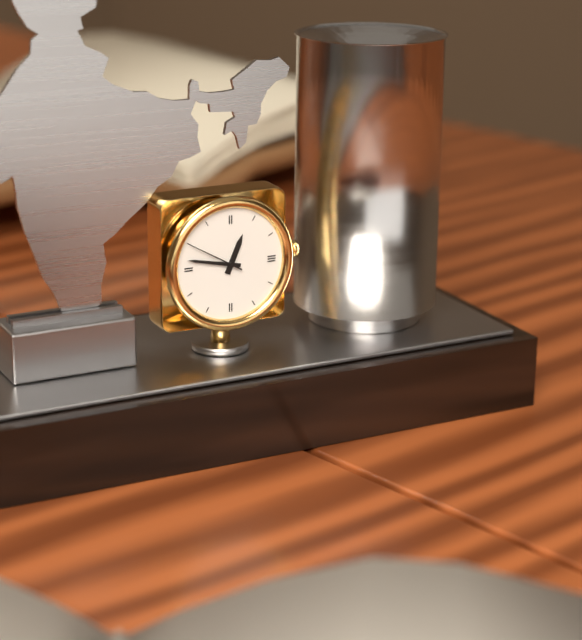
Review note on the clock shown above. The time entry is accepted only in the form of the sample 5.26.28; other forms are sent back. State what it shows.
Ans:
12.47.50
